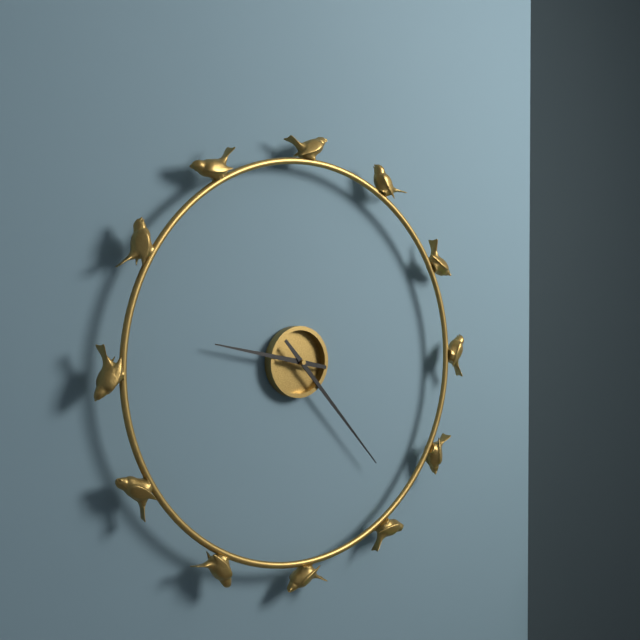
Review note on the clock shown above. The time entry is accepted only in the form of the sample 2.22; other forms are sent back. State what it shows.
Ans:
9.23
